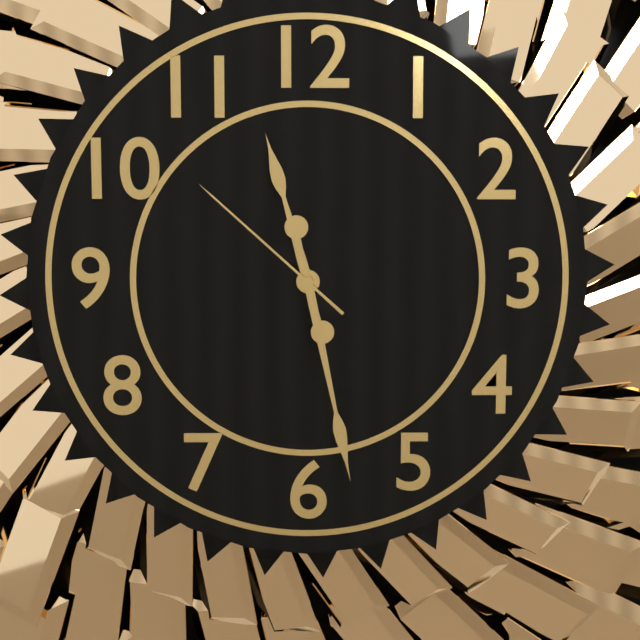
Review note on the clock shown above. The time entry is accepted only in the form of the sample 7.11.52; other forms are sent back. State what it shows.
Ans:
11.28.52
